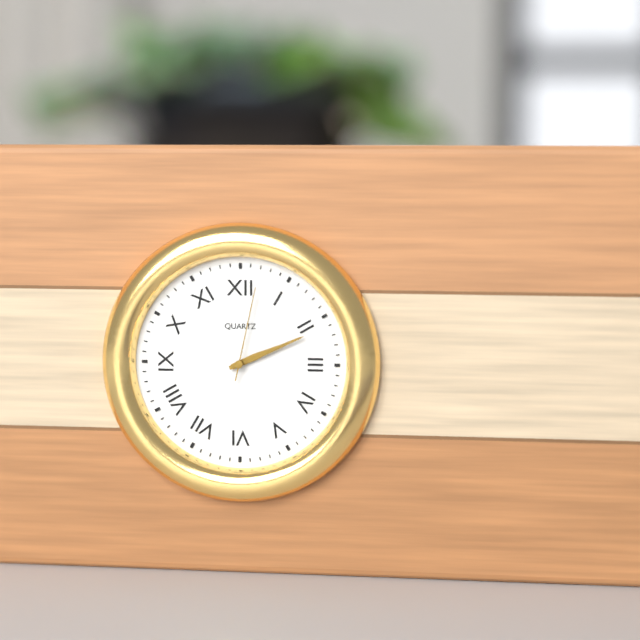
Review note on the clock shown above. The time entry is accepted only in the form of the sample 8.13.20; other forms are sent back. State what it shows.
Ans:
2.11.02
